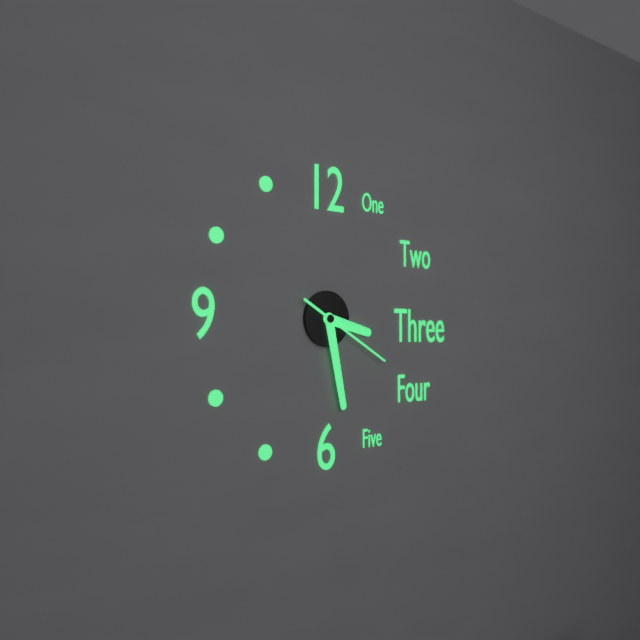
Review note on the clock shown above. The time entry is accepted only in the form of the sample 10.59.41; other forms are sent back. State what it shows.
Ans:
3.28.20
